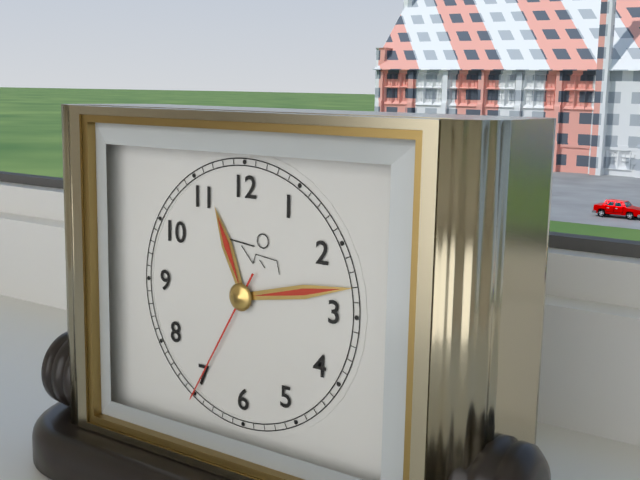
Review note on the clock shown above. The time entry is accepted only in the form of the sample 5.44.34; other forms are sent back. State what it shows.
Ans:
11.13.35
